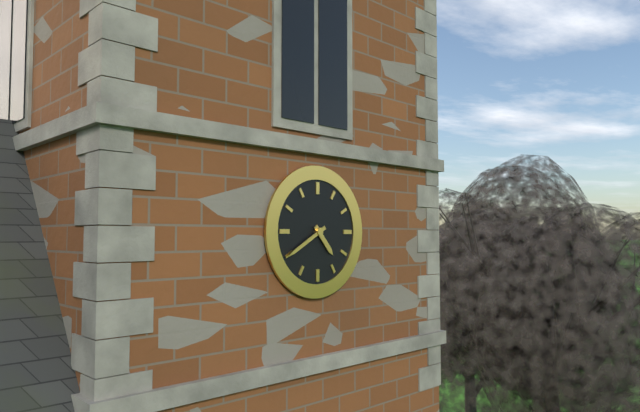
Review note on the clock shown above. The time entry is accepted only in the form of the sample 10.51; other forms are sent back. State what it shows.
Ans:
4.40
